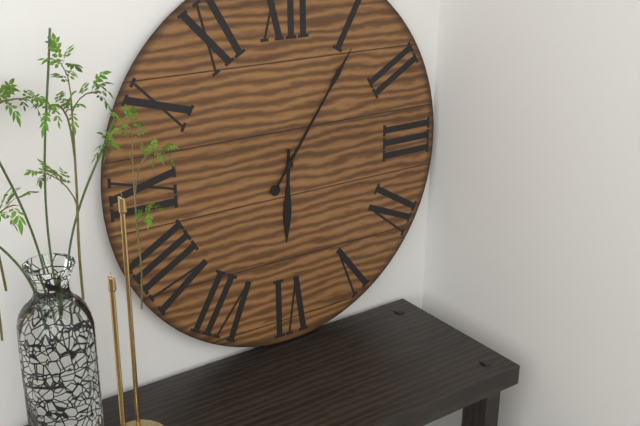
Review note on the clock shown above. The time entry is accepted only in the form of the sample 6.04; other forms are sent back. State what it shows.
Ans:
6.06
